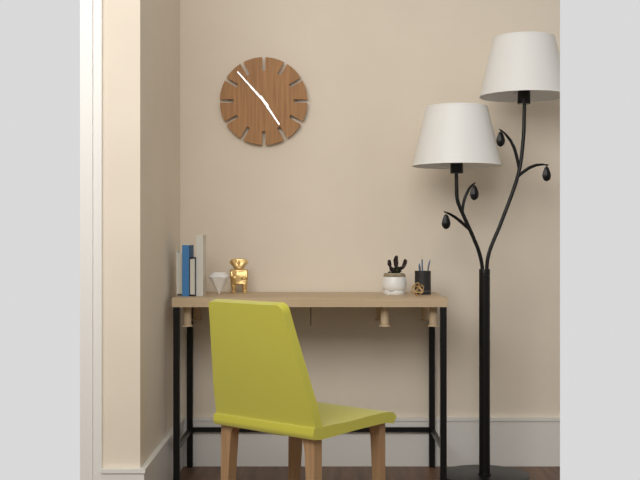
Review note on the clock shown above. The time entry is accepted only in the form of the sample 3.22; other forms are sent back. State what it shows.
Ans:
4.53
